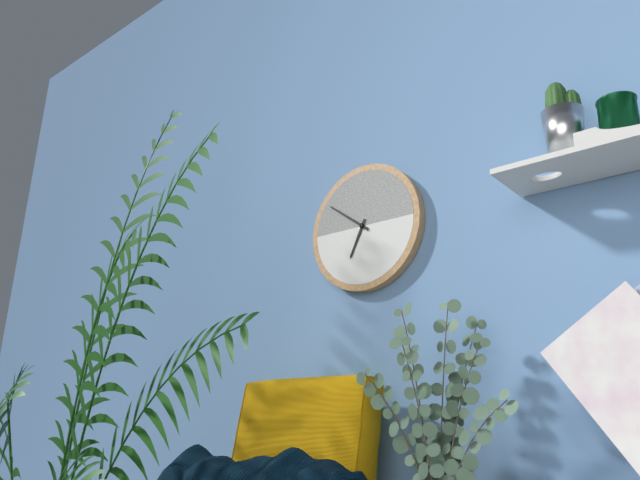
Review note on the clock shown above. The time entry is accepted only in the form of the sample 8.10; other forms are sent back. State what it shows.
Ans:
6.51
